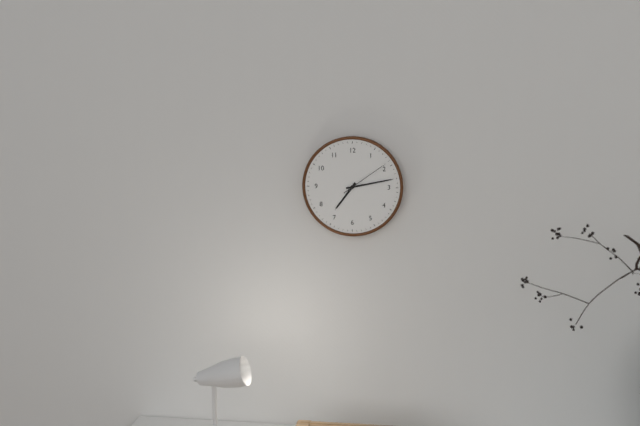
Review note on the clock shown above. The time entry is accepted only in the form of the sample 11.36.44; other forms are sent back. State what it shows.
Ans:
7.13.09
